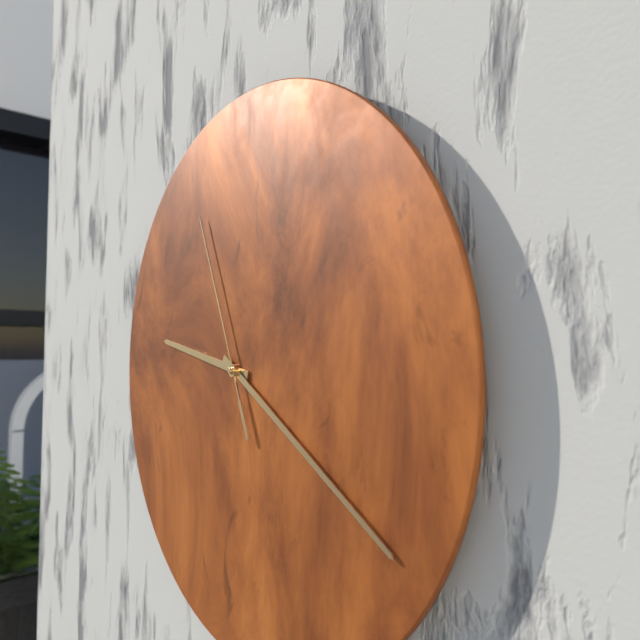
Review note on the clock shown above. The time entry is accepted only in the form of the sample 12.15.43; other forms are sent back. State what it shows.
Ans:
9.20.56
